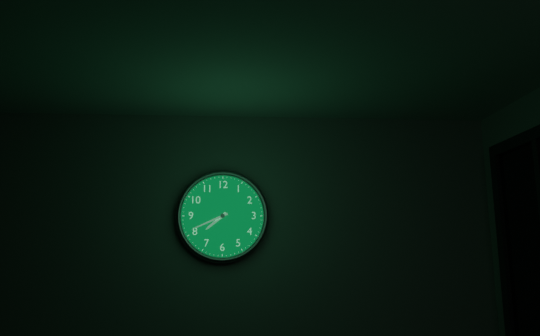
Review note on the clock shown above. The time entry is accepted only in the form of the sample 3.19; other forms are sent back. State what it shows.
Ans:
7.41
